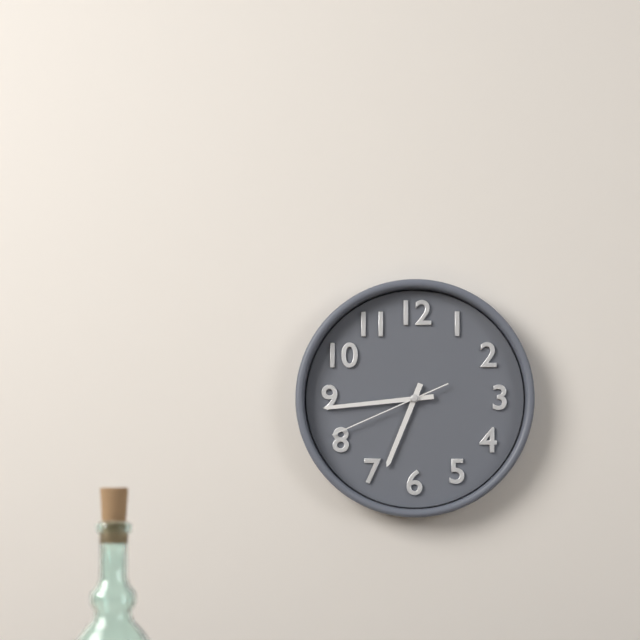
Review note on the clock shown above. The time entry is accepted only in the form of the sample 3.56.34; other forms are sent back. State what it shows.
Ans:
6.44.41
